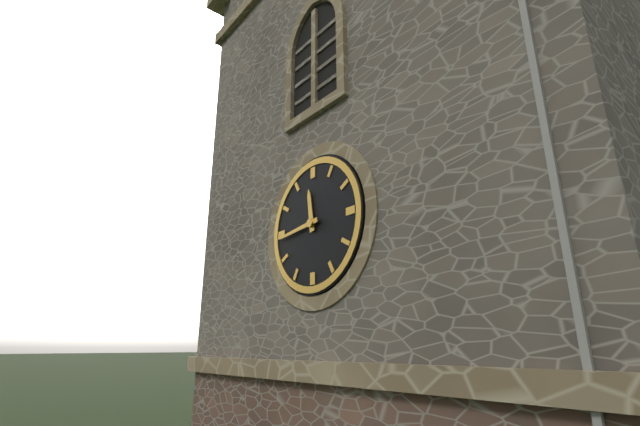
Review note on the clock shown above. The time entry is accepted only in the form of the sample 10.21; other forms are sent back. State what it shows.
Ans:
11.44
